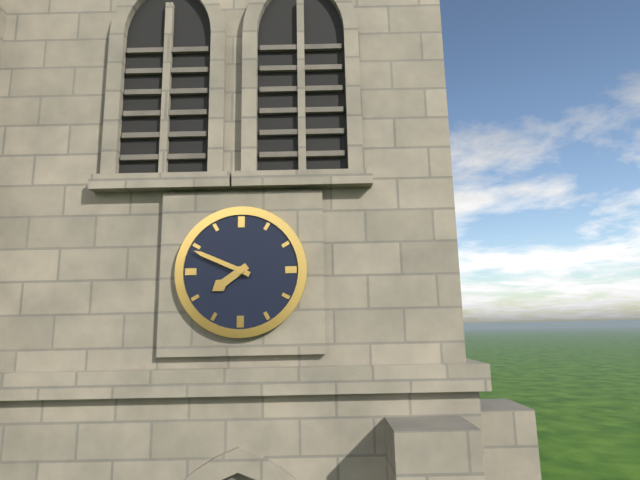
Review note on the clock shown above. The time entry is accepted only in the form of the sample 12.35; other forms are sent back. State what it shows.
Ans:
7.49
